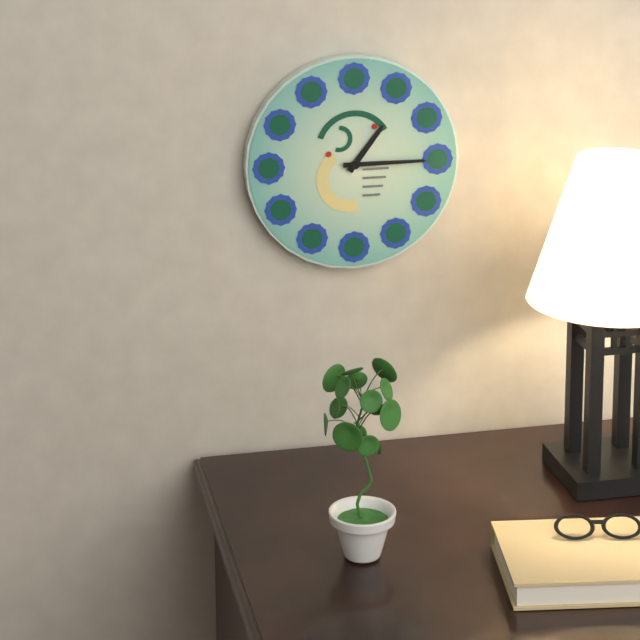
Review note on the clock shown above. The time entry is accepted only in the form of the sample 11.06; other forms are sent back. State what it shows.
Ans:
1.15
